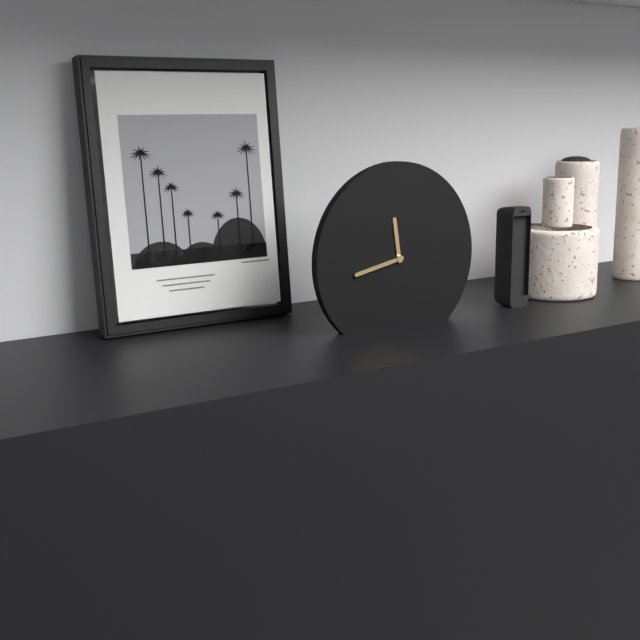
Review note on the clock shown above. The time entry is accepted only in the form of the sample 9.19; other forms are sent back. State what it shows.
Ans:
11.43
